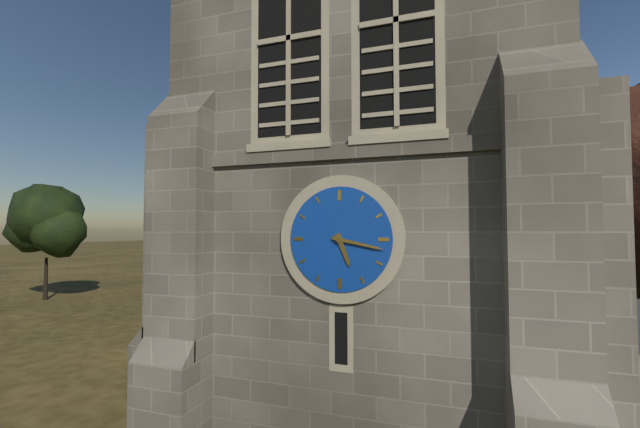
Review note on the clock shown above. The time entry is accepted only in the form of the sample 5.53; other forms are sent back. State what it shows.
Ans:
5.17
